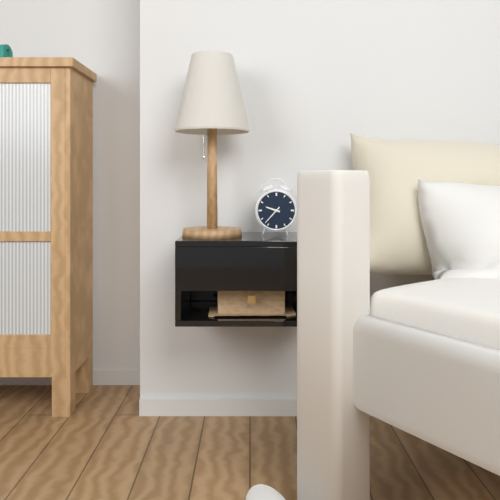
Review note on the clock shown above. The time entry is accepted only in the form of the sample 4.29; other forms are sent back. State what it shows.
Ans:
9.37
